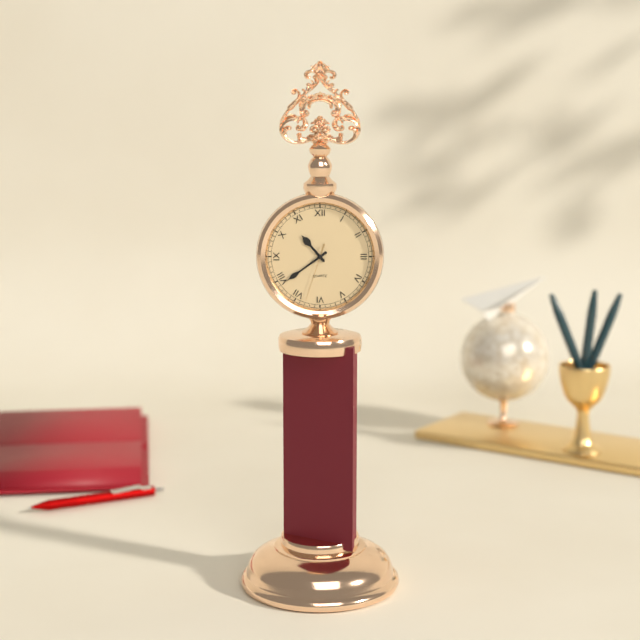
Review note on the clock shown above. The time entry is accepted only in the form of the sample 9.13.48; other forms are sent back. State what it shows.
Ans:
10.39.33
